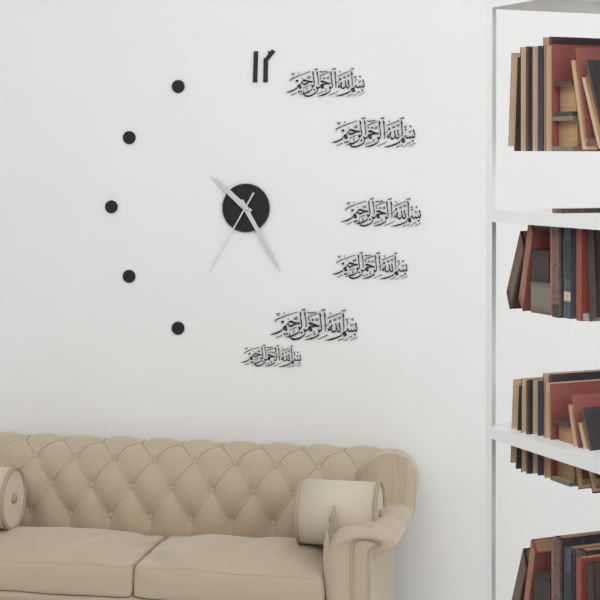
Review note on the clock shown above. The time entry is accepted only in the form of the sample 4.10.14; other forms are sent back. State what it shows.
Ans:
10.25.35
